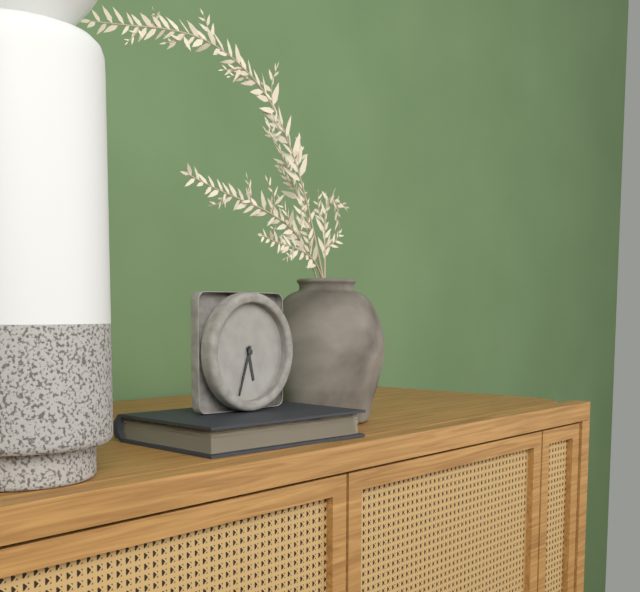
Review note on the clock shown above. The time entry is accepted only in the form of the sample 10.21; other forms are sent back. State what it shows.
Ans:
5.33
